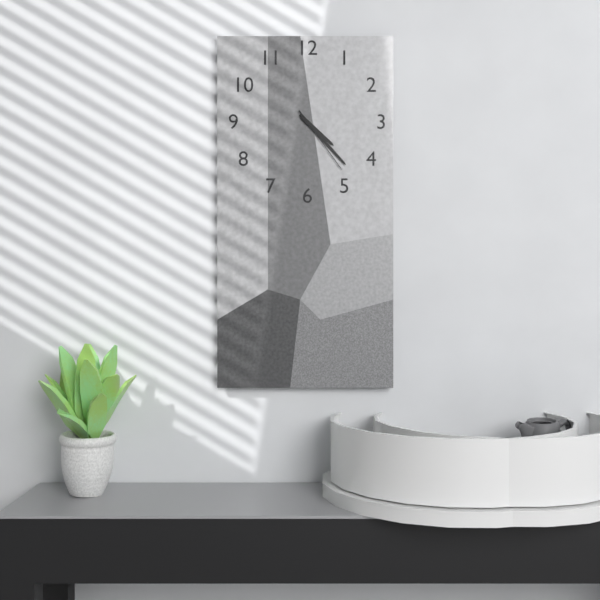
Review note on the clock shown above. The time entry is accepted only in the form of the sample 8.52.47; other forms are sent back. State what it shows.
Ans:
4.23.24
